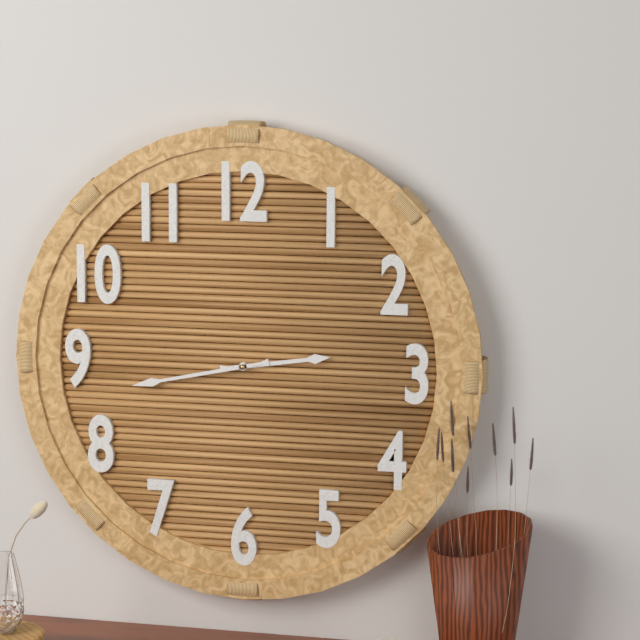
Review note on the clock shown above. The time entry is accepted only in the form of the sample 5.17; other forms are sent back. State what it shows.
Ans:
2.43
